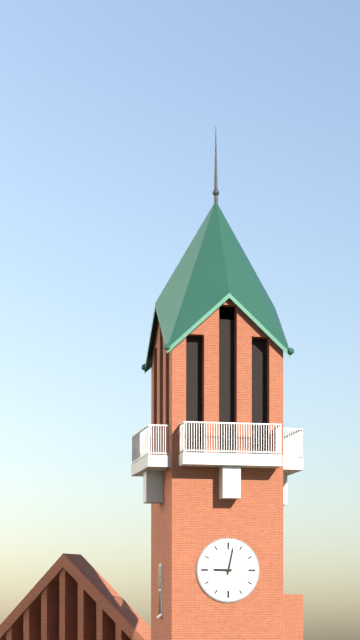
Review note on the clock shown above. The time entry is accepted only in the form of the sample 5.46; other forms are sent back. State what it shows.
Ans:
9.02
